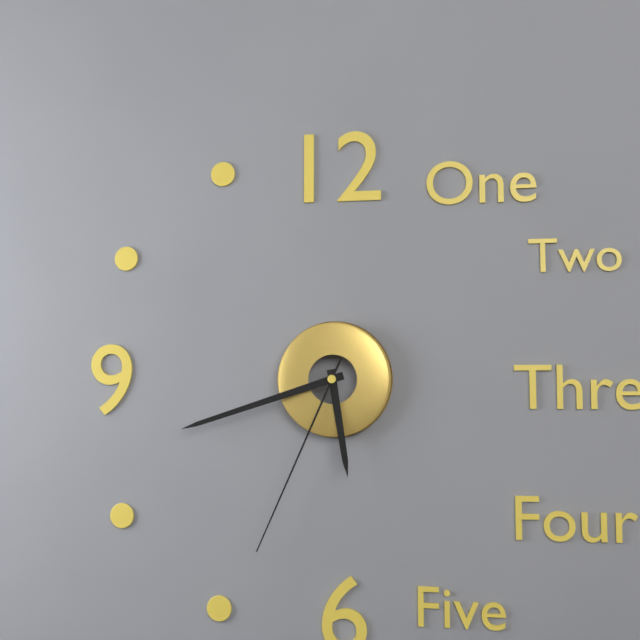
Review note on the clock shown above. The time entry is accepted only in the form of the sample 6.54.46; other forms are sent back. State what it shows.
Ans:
5.42.34
